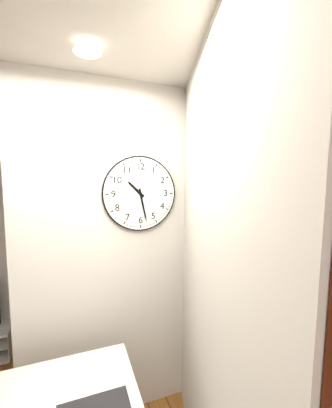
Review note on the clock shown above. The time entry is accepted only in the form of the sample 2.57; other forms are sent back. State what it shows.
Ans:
10.28
